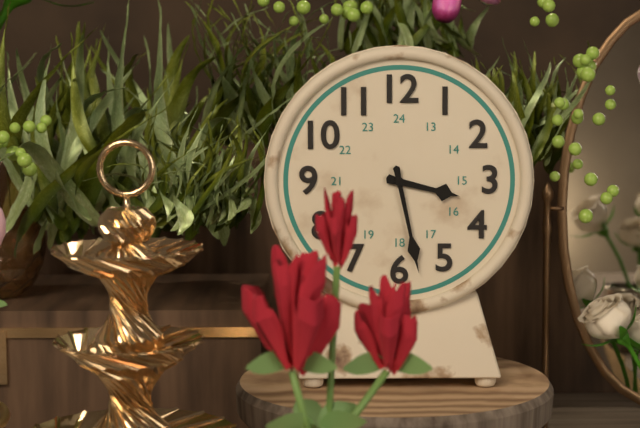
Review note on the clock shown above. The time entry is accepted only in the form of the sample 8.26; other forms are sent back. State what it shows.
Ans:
3.28
